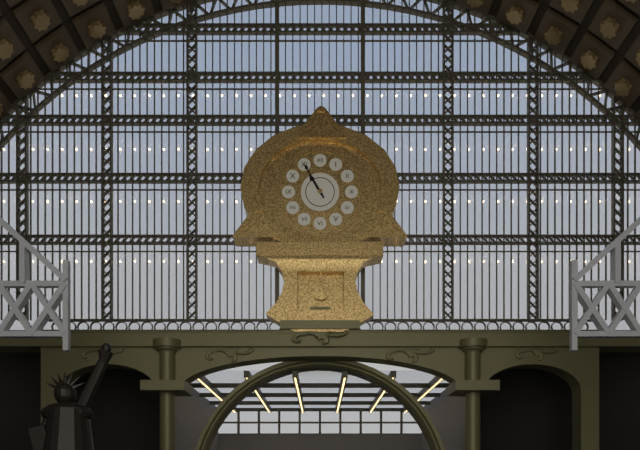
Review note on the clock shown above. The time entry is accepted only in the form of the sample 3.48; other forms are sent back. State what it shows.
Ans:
10.55
